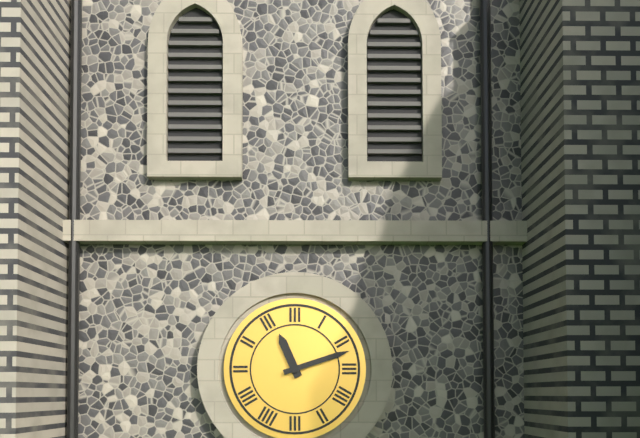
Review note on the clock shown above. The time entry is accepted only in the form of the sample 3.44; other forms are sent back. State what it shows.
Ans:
11.12
